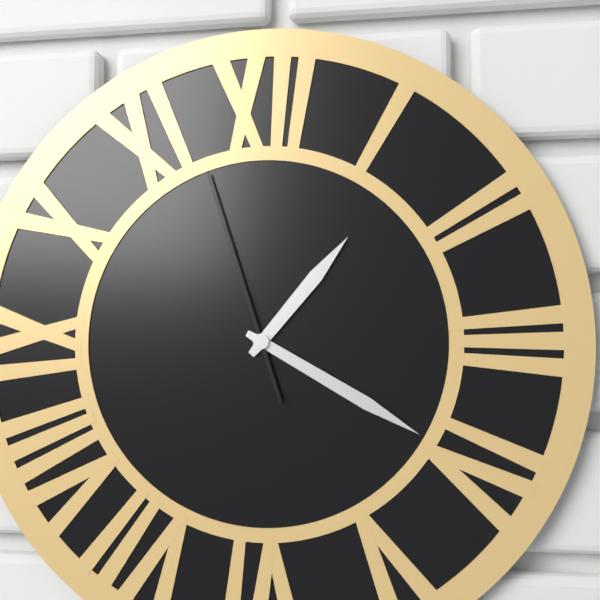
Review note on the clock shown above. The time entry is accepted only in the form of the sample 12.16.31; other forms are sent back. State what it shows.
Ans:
1.20.57
